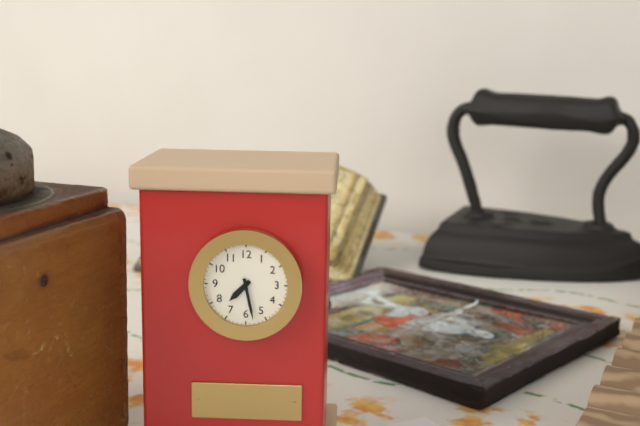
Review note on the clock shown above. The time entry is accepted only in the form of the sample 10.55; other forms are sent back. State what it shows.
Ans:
7.28
